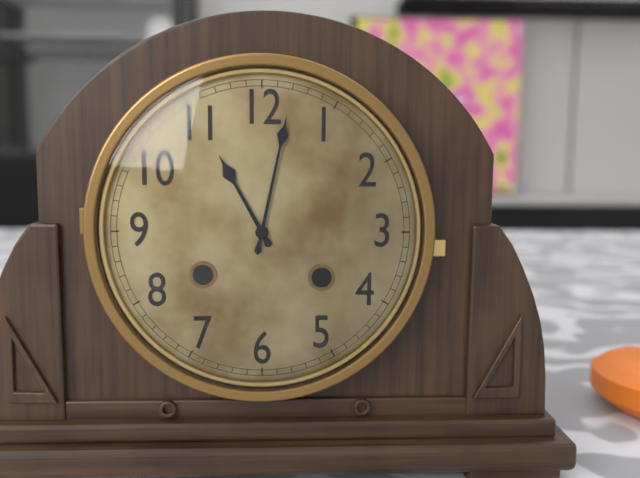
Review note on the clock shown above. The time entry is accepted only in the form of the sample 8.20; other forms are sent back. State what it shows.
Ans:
11.02
